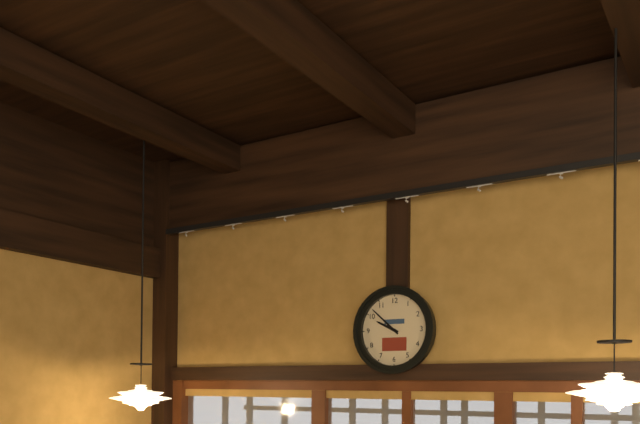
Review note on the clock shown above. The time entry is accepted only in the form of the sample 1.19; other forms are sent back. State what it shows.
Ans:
9.52
